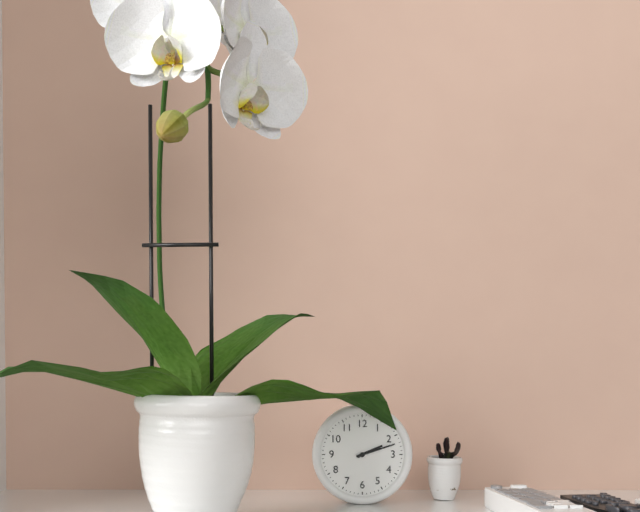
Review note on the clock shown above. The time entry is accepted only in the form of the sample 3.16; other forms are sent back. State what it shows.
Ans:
2.12
